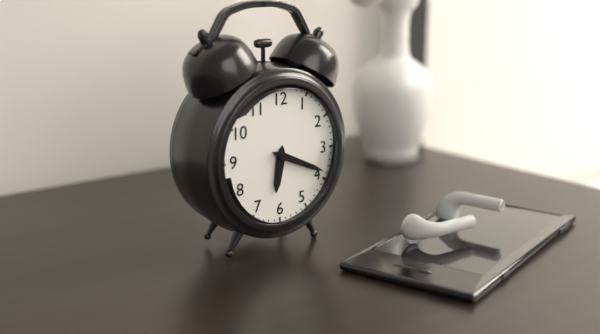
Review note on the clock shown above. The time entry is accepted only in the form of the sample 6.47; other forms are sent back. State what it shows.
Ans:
6.19
